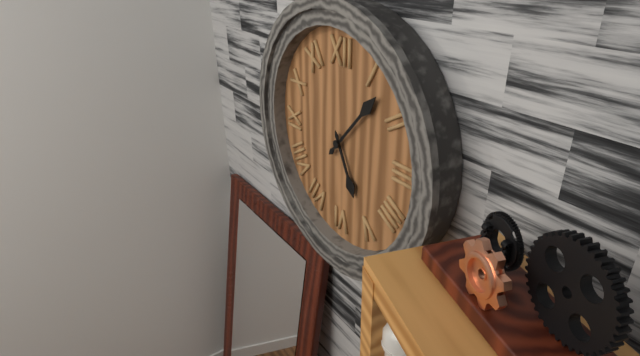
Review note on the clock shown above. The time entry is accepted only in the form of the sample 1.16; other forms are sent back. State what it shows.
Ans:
5.07
